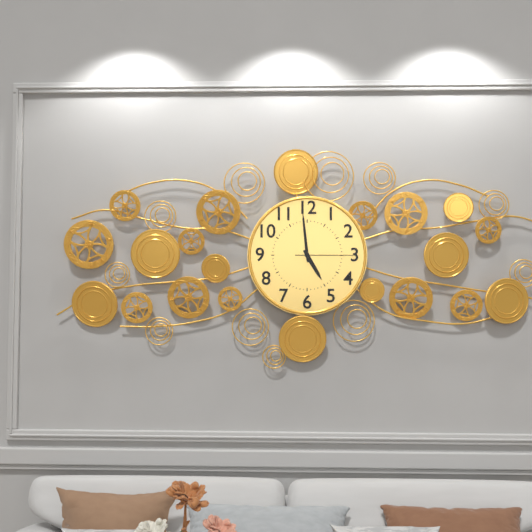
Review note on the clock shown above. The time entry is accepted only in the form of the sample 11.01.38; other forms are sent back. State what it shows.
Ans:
4.59.15
